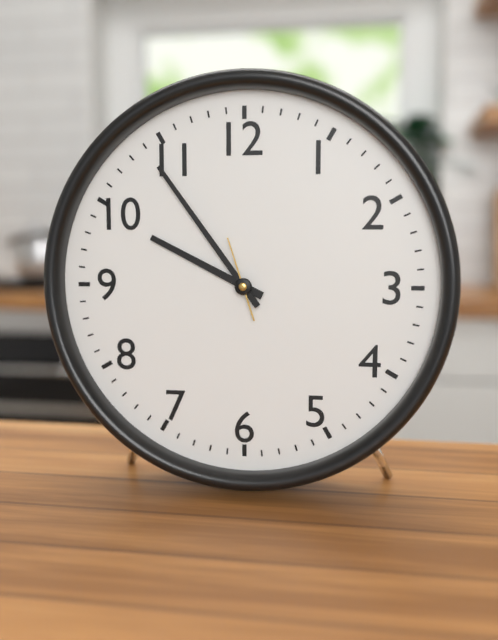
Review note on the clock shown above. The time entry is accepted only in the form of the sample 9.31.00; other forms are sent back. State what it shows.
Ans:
9.54.57
